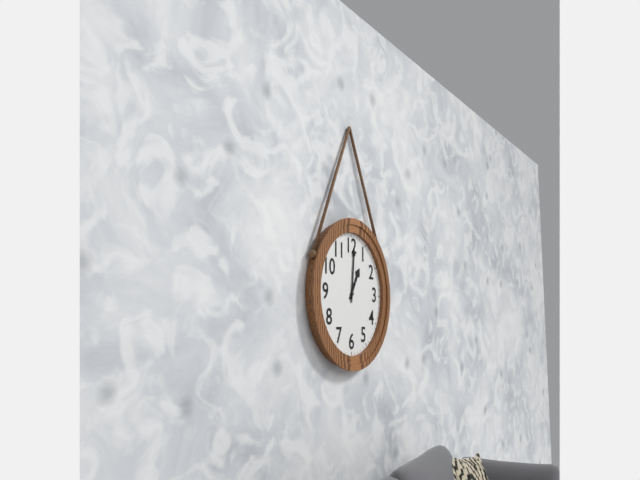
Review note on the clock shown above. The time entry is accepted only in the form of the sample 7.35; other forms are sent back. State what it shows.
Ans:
1.01
